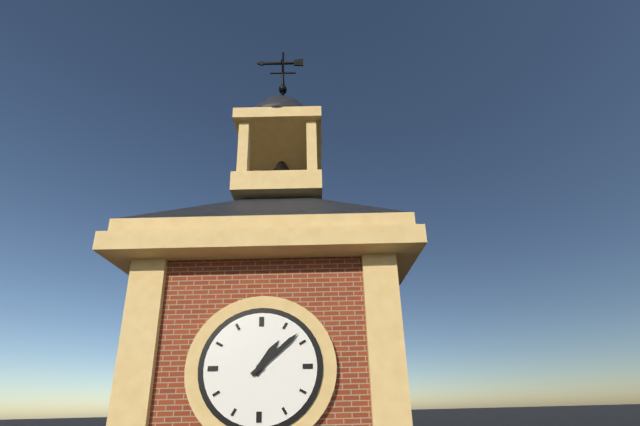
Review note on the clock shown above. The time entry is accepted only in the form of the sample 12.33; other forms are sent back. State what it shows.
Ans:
1.08
